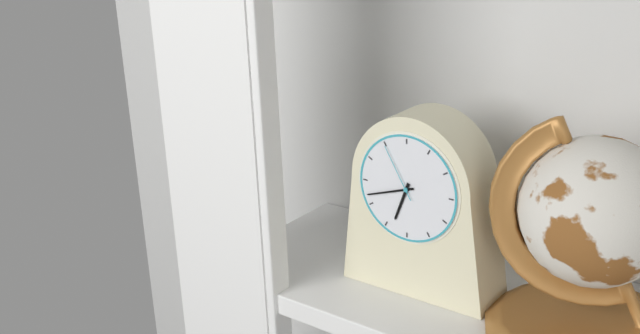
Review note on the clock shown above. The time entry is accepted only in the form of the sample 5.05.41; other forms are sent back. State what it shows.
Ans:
6.42.55
